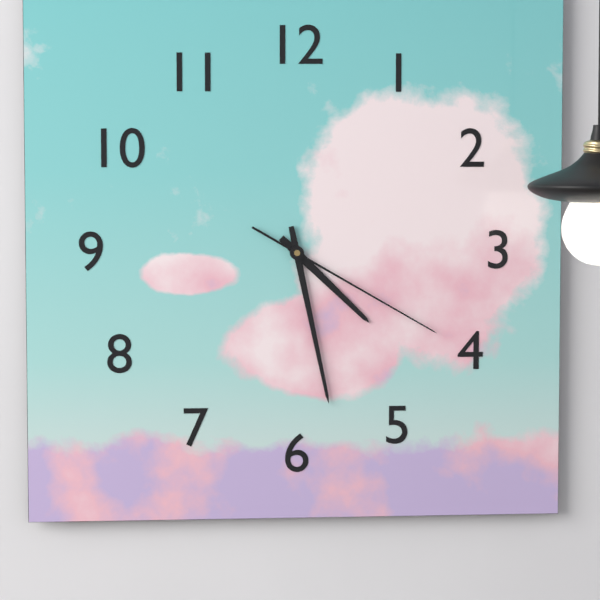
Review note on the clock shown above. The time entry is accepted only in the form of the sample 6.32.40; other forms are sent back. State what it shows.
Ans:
4.28.20
